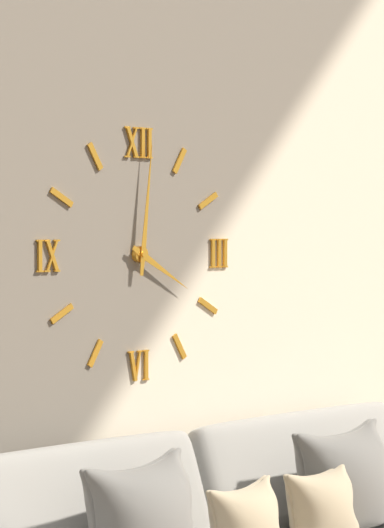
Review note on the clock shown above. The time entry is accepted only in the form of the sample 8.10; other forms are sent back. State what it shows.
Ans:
4.01
